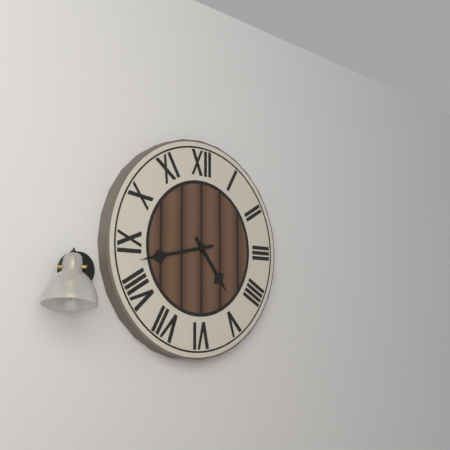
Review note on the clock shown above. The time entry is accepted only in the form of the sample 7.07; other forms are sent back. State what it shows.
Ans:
4.43
